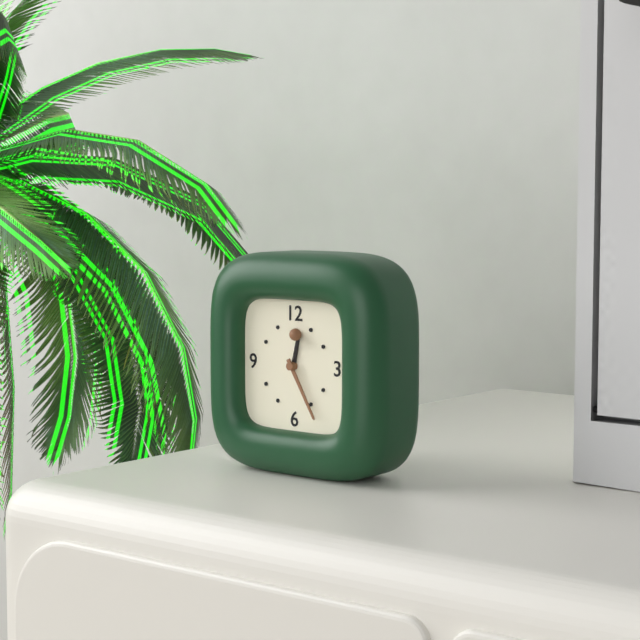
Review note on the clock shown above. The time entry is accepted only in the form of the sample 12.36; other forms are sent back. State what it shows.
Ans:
12.25
